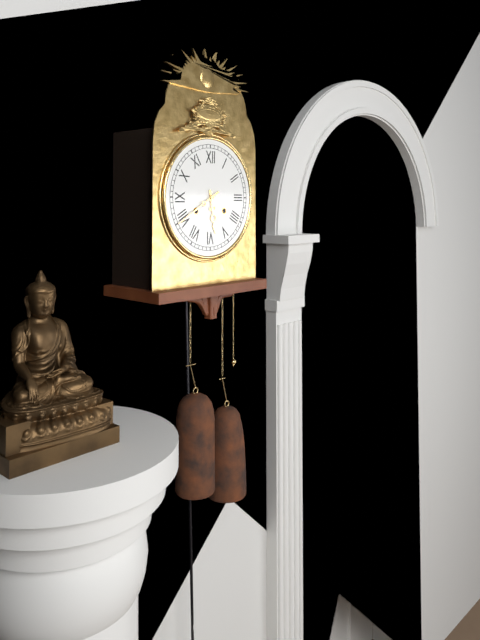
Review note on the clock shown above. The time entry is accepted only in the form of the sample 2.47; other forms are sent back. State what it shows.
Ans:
5.40
